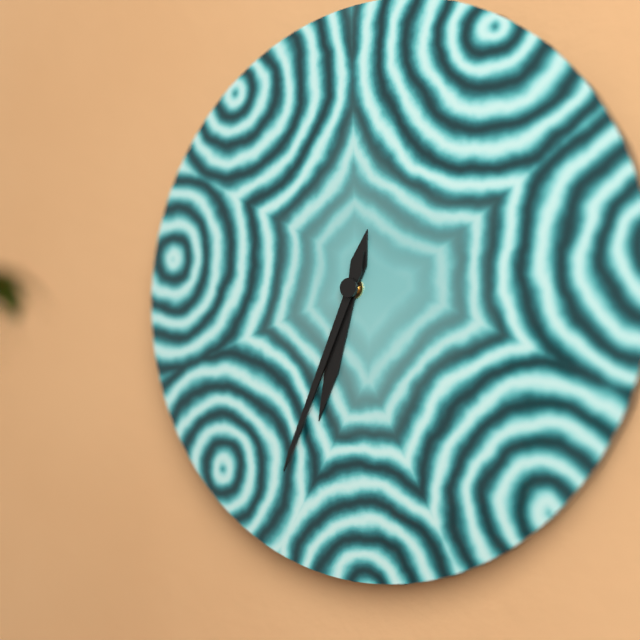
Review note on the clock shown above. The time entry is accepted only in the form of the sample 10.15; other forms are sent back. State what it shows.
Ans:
6.34
